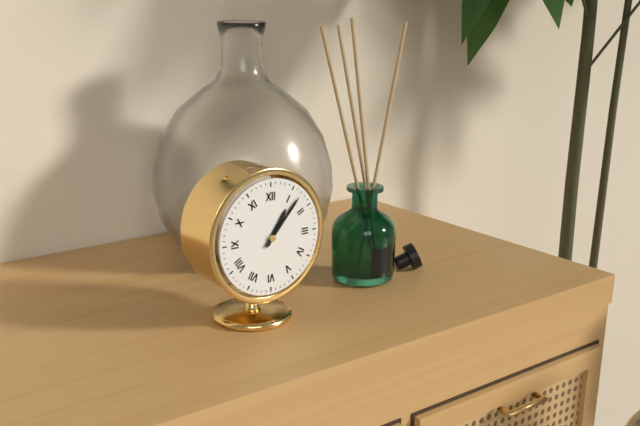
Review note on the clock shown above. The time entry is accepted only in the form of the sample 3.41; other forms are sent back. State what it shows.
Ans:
1.07
